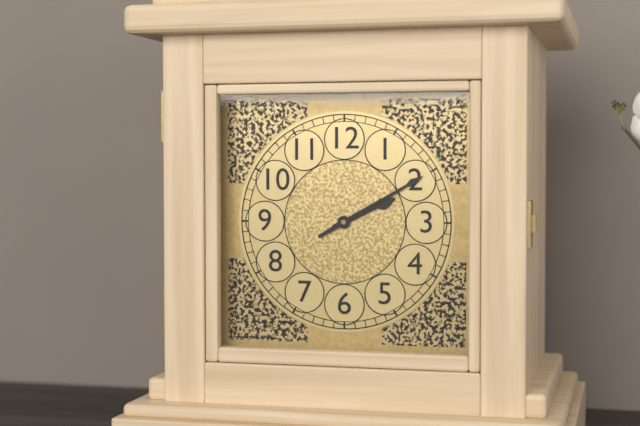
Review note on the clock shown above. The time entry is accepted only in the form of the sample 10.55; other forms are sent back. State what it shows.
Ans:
2.10
